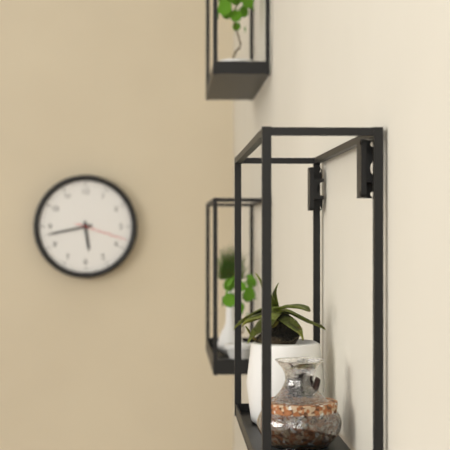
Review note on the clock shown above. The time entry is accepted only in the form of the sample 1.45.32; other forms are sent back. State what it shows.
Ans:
5.43.18
